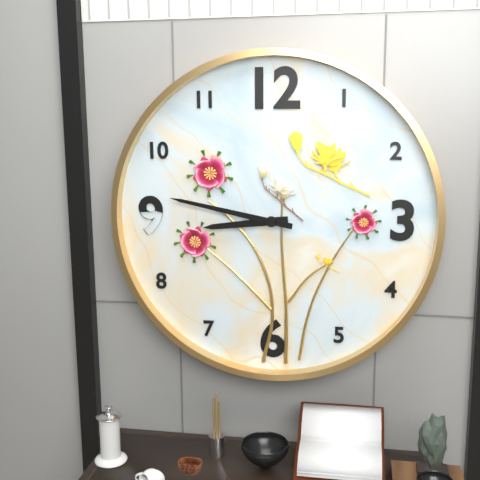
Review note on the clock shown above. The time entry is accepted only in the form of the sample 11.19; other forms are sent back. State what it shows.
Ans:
8.47
